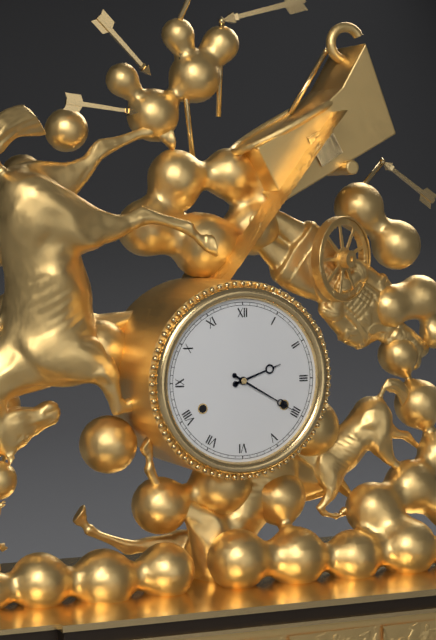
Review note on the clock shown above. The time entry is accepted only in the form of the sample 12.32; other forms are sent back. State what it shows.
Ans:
2.20
